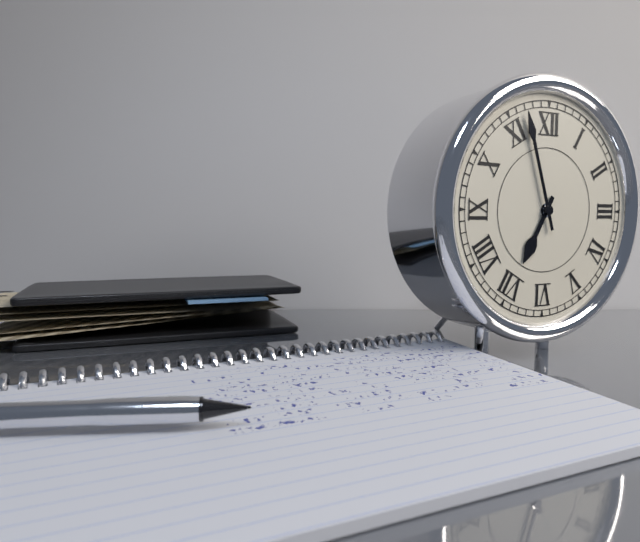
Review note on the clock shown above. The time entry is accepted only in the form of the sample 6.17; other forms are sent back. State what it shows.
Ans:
6.57
